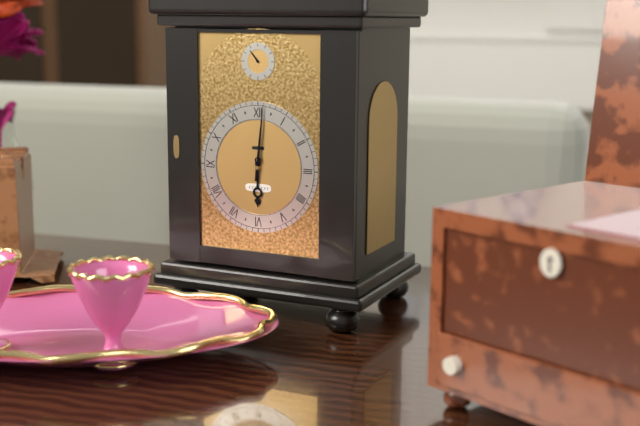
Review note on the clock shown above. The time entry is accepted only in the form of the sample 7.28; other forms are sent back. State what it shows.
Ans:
6.01
